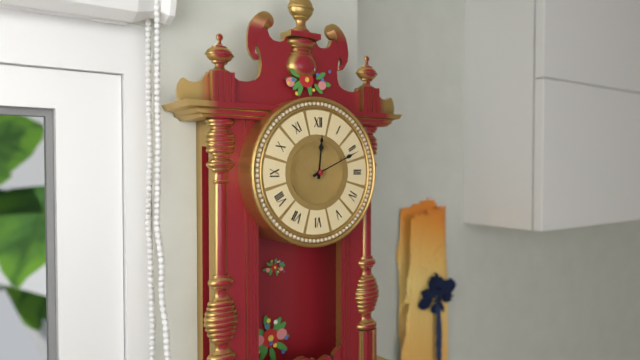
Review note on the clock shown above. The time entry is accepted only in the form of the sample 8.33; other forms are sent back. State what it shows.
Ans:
12.11
